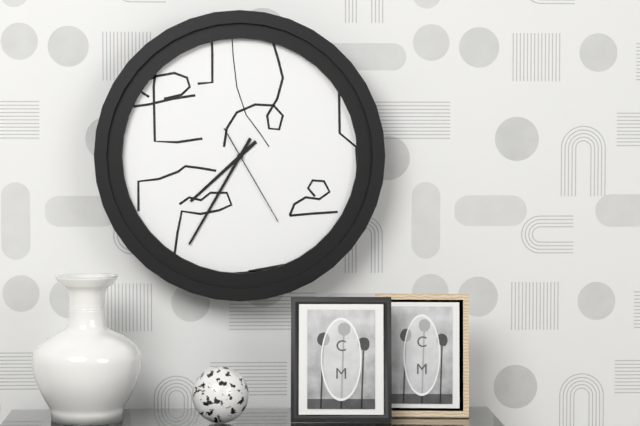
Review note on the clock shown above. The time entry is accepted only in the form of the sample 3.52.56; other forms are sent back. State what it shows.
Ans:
7.35.25
